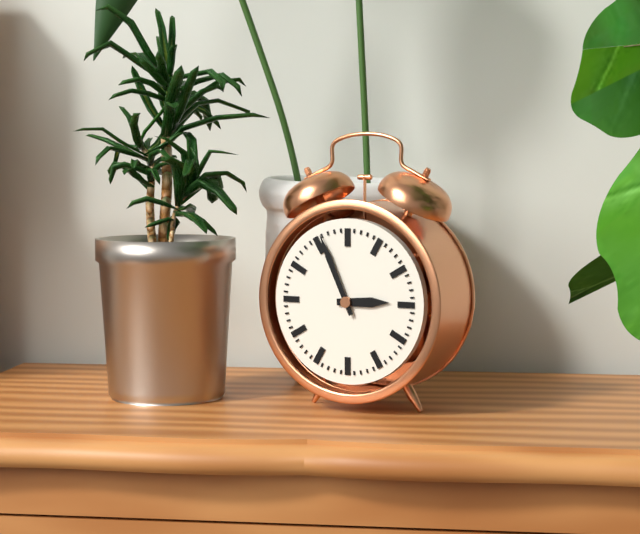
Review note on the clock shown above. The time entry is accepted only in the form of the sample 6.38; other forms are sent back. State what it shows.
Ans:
2.56
